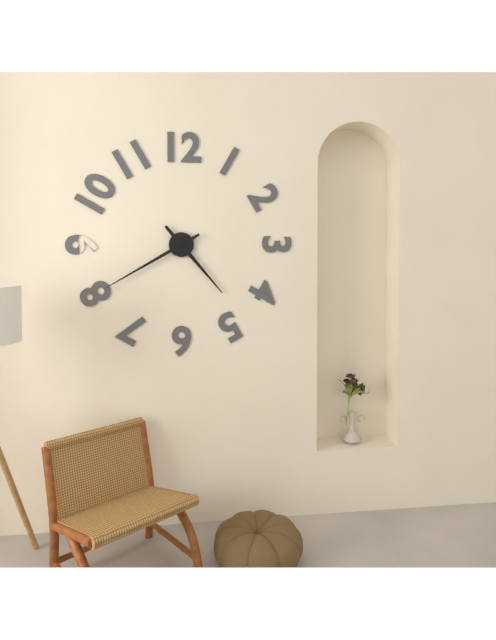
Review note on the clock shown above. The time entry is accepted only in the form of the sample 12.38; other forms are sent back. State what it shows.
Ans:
4.40
